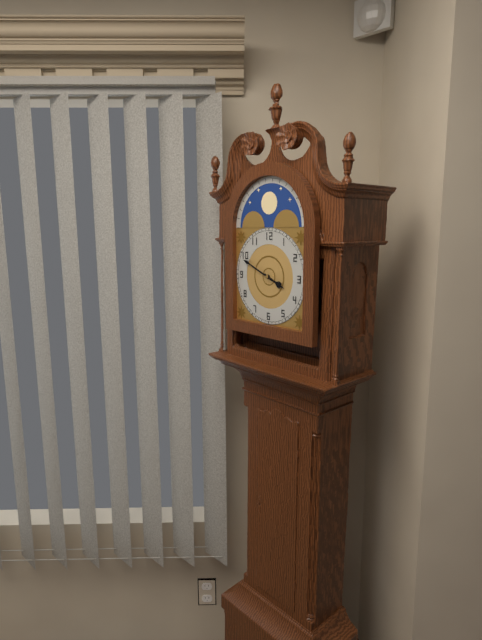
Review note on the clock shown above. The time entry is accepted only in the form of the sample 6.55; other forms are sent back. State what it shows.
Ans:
3.49
